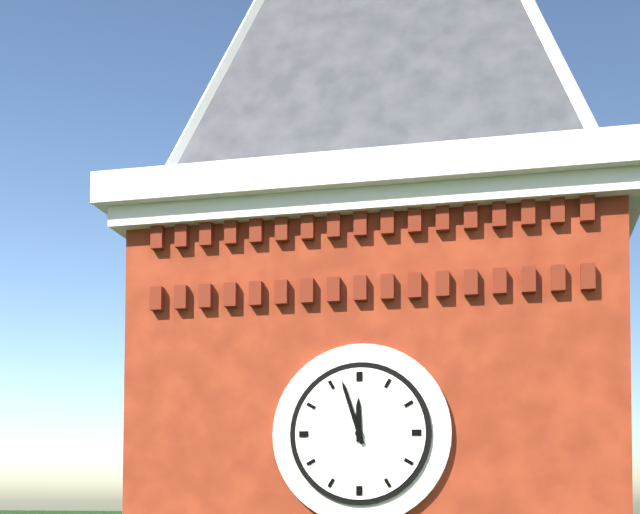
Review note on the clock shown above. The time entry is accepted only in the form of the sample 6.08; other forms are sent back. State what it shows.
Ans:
11.57
